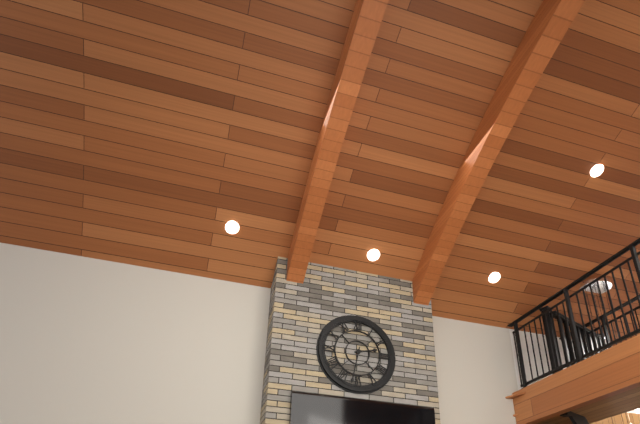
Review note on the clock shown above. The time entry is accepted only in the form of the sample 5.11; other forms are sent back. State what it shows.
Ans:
2.32
